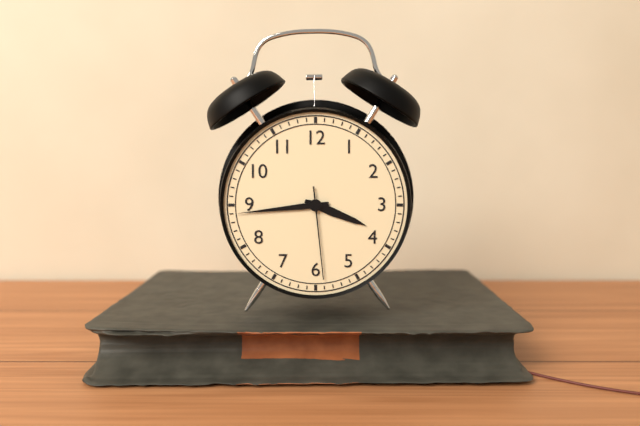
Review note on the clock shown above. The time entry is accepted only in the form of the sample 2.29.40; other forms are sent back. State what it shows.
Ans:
3.44.29
